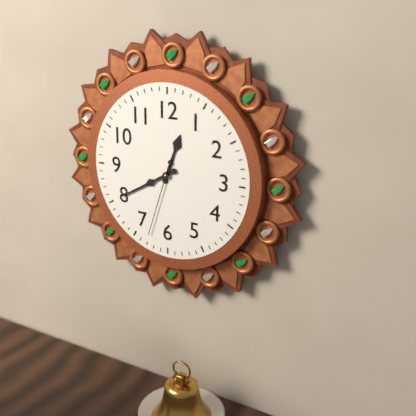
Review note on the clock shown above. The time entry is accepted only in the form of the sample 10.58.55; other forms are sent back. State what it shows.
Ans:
12.40.33
